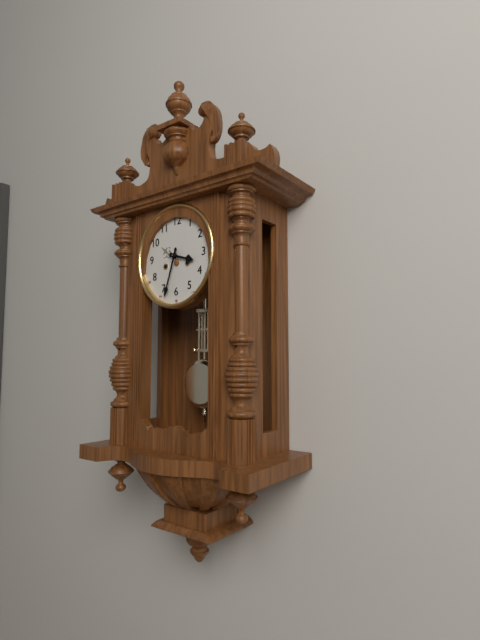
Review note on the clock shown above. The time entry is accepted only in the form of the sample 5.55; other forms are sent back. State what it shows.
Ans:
3.33
